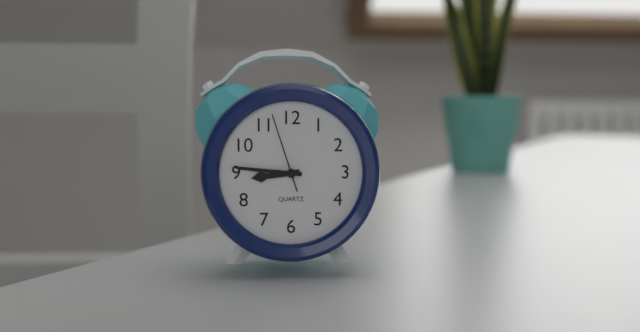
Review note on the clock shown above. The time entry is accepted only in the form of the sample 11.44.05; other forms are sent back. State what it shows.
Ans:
8.46.57
